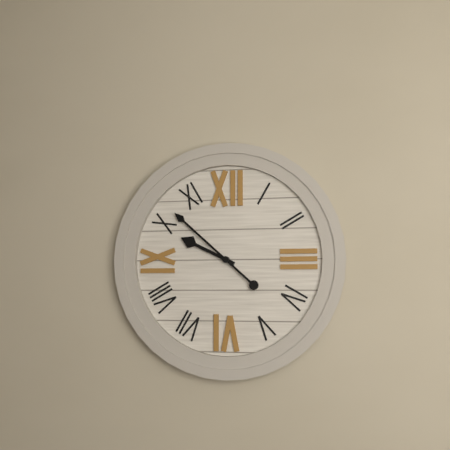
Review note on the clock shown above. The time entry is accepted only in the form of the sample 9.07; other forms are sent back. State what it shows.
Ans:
9.52
